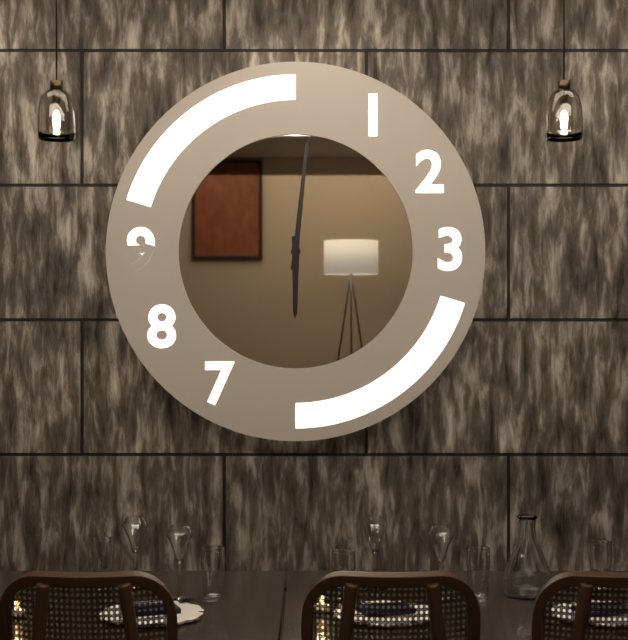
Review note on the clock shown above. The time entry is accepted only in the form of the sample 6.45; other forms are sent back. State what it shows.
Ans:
6.01
